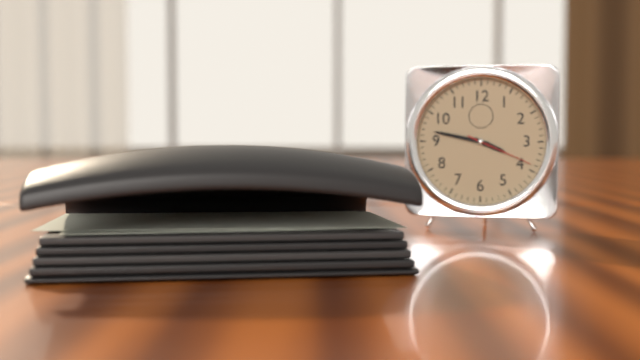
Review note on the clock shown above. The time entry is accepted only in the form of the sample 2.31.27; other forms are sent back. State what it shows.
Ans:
3.47.19
